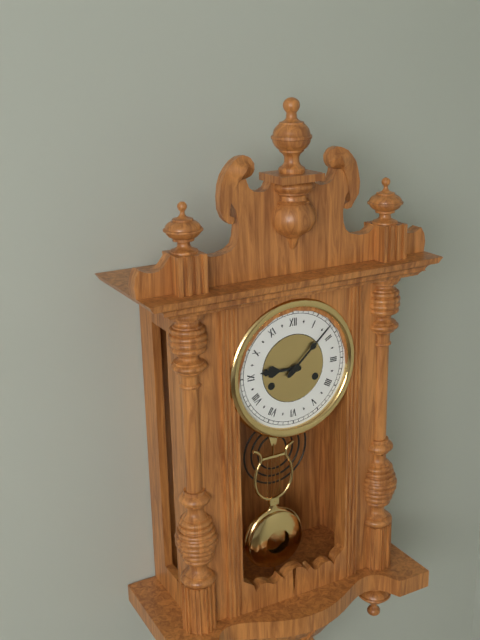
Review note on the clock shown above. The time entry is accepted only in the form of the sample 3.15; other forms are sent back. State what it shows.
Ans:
9.08
